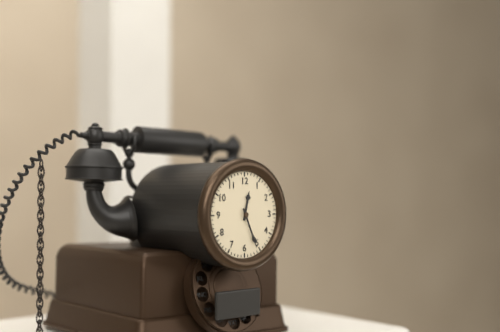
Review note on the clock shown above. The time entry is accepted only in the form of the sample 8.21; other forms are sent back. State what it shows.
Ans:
12.26
